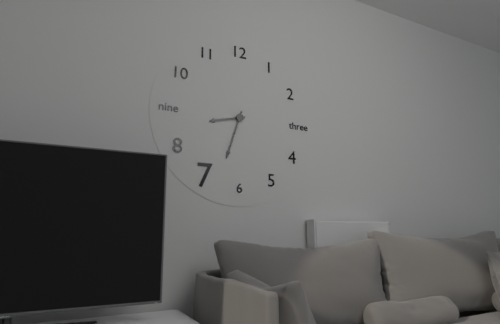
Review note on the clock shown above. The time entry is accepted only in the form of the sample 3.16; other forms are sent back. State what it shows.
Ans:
8.33
